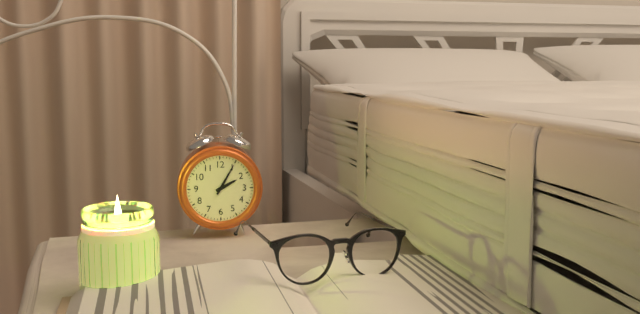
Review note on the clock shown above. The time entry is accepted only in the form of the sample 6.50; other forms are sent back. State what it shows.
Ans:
2.05
